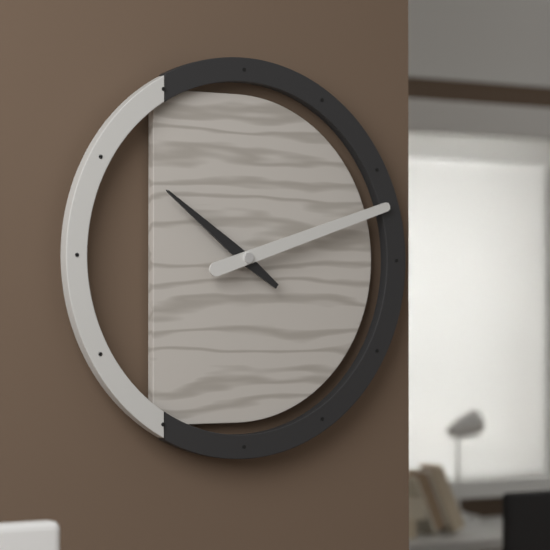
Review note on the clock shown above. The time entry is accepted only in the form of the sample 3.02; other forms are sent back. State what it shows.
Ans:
10.12
